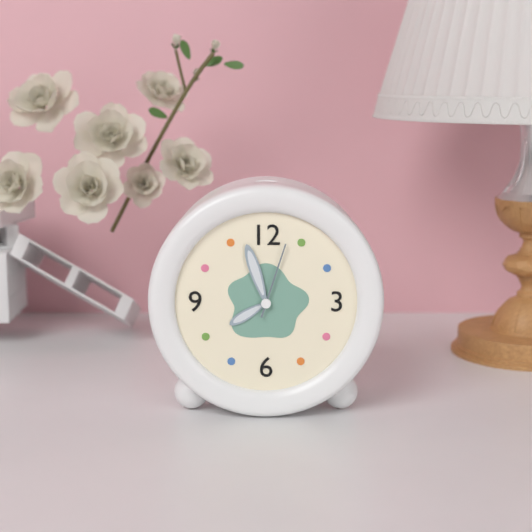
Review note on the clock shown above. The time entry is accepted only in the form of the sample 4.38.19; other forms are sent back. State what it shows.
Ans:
7.57.03
